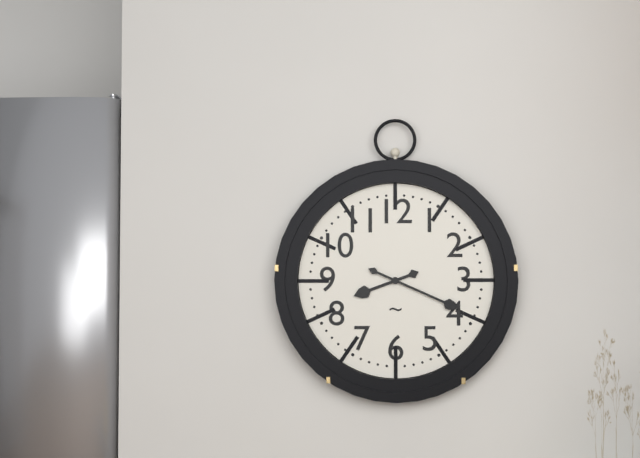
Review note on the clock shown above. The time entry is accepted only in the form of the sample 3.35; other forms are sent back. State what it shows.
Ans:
8.19
